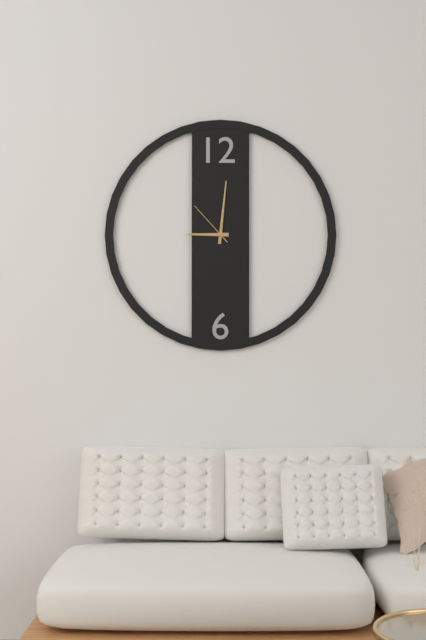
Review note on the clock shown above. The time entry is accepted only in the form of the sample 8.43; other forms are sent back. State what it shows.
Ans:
9.01
